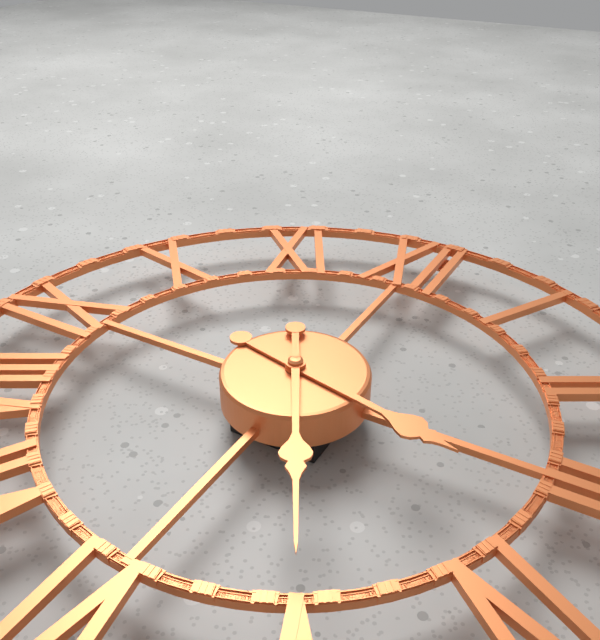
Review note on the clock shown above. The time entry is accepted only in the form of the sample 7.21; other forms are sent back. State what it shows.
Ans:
3.25
